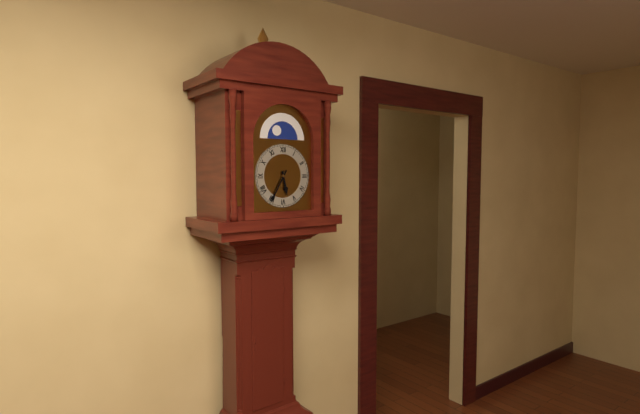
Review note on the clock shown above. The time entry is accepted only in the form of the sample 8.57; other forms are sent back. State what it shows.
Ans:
5.35
